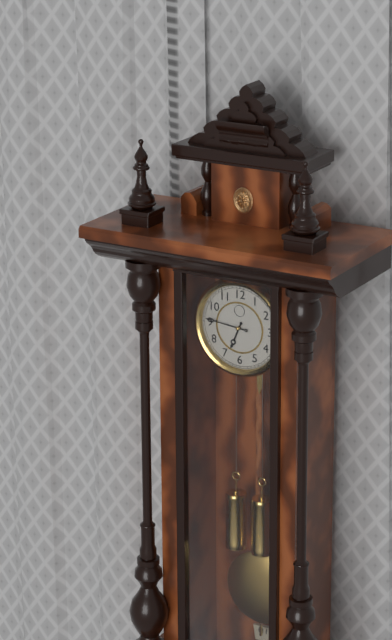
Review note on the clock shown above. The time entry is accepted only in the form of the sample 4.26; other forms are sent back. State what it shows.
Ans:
6.46
